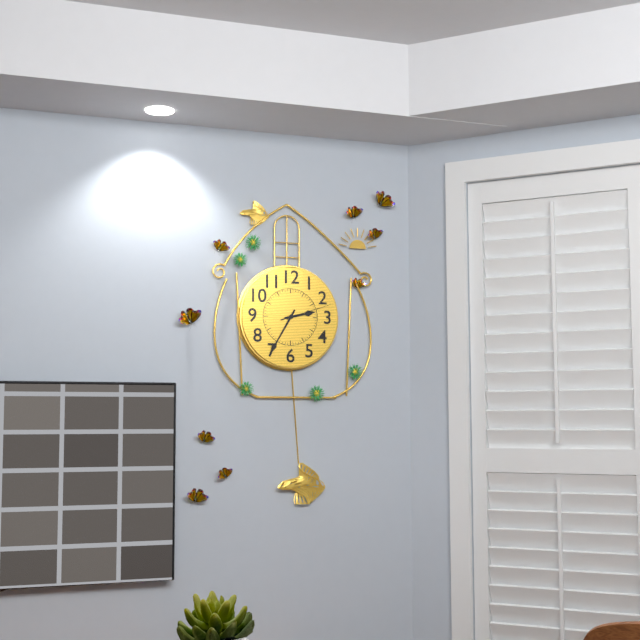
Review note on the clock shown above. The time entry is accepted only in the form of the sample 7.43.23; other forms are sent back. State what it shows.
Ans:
2.35.12
